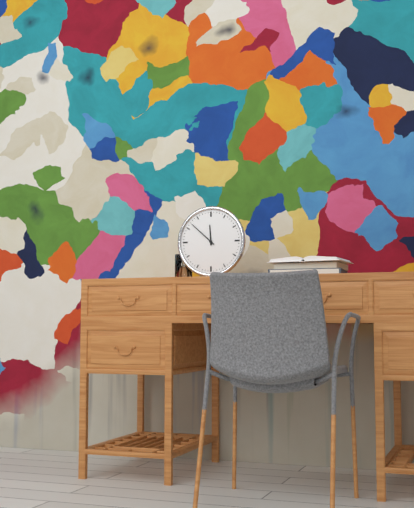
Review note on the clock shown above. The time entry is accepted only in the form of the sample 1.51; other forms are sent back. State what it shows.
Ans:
11.52
